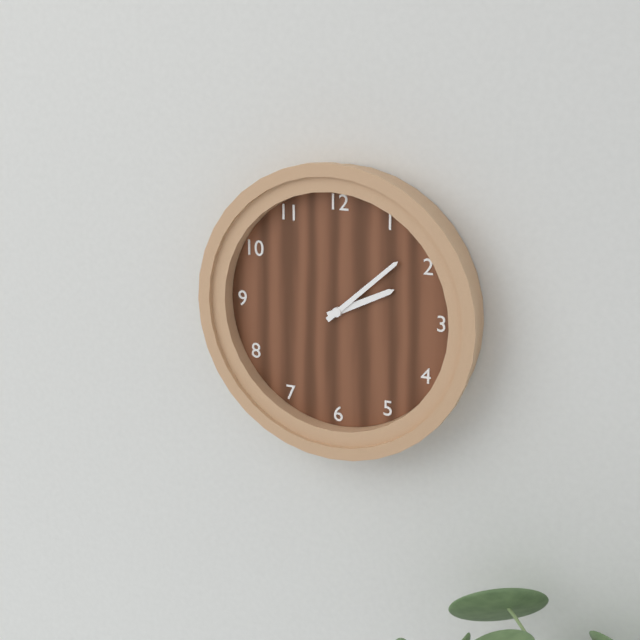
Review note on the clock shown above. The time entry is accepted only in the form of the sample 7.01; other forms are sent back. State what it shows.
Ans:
2.08
